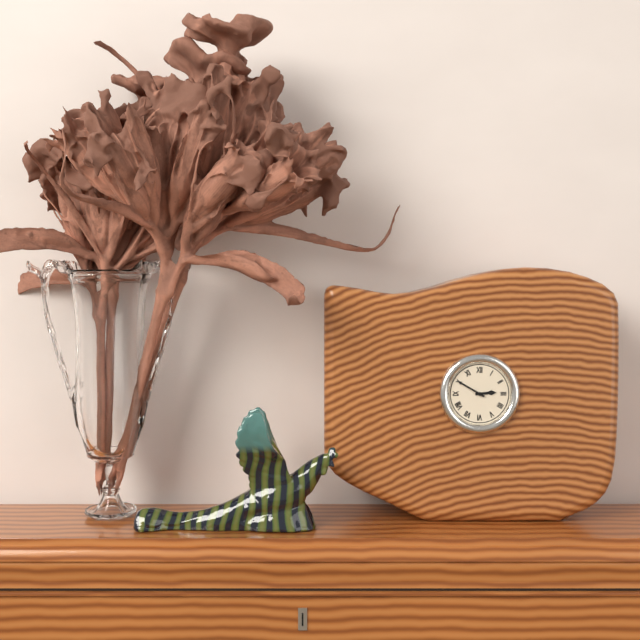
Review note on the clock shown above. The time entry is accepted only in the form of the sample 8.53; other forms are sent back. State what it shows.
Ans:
2.50
